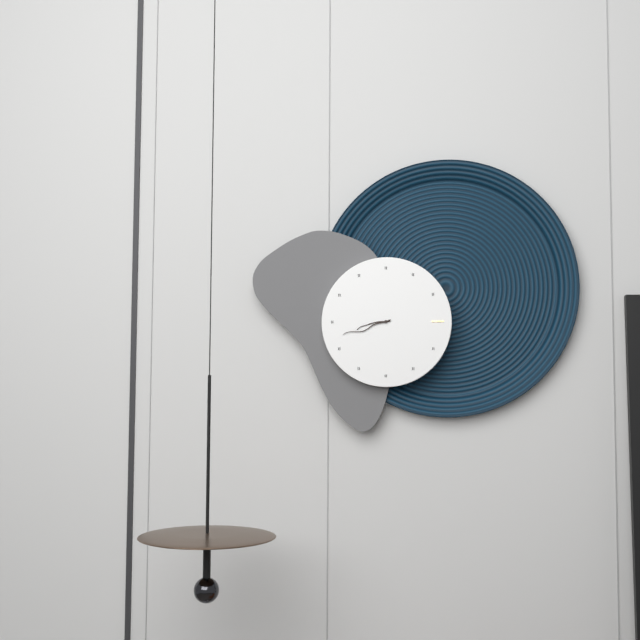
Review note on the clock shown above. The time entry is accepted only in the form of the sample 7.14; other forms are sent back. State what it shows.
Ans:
8.42
